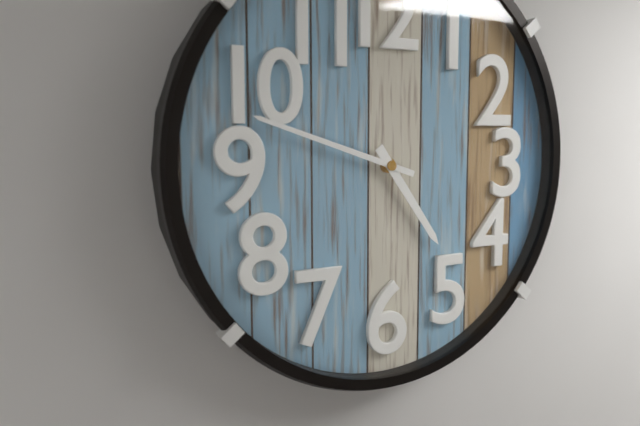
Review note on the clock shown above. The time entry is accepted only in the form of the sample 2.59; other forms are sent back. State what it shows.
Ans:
4.48
